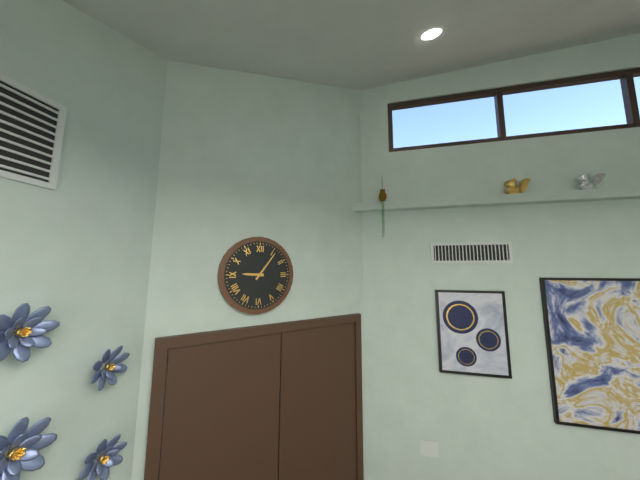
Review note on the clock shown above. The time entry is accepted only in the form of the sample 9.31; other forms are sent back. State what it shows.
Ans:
9.06
